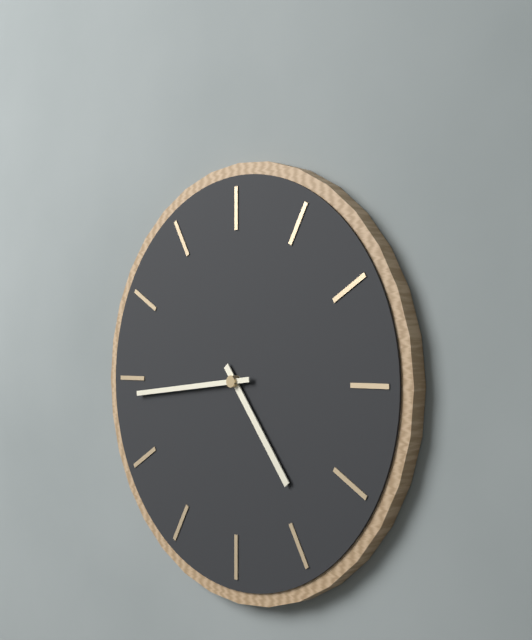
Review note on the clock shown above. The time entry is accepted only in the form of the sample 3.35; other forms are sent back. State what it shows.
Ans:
4.44
